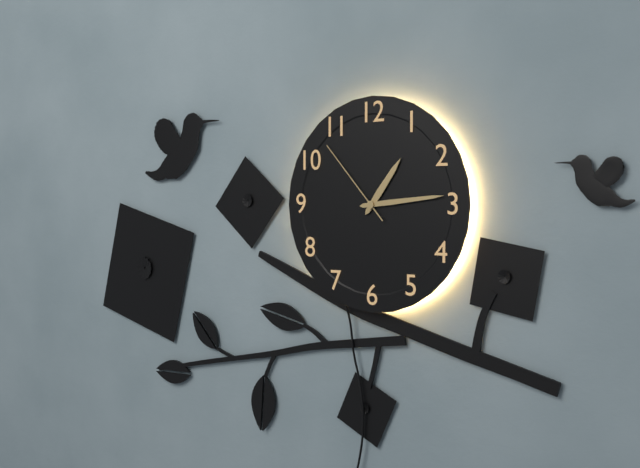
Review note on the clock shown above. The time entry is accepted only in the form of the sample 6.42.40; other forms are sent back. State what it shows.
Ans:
1.14.53
